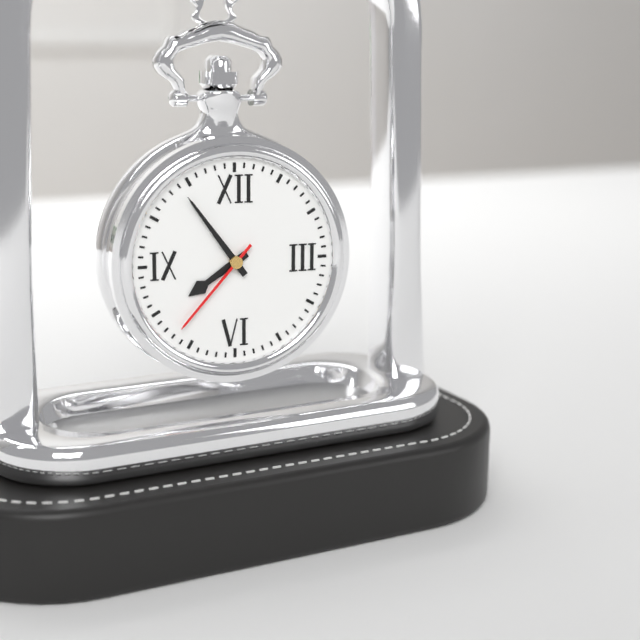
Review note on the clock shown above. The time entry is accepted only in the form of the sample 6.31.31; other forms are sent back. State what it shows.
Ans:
7.54.37
